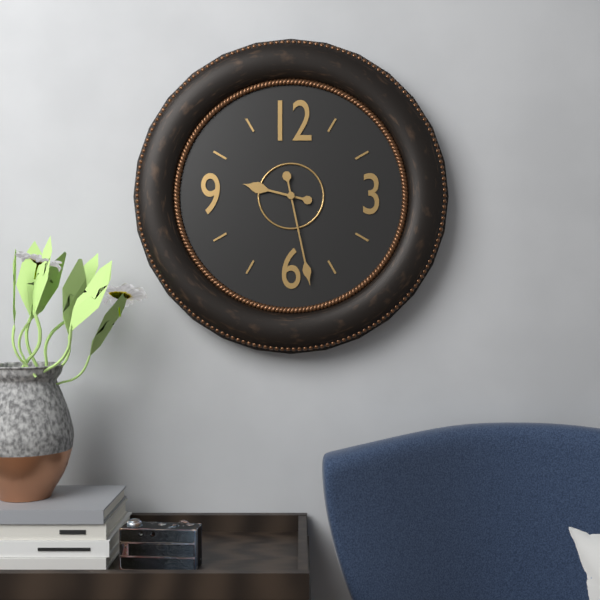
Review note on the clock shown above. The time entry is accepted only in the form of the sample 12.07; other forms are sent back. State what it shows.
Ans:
9.28
